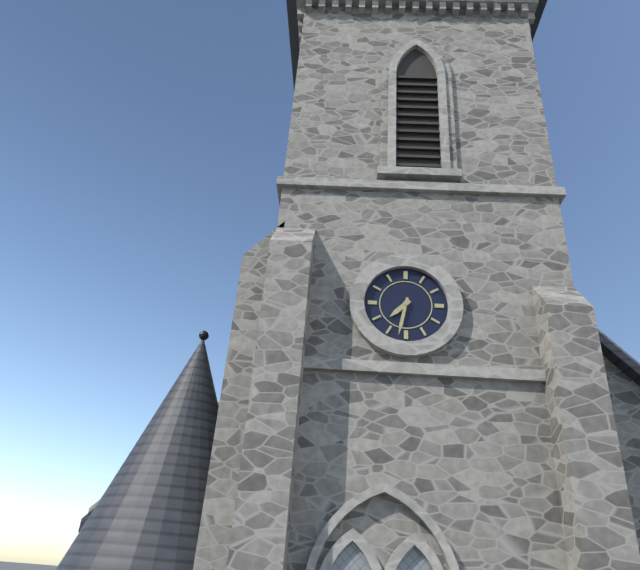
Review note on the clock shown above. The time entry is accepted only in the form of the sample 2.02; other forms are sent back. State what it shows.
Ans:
7.32
